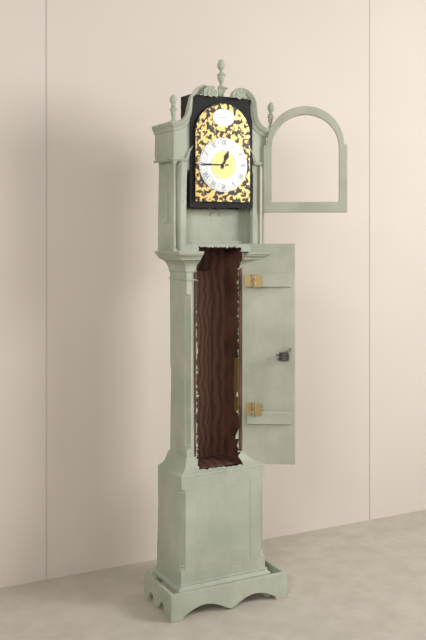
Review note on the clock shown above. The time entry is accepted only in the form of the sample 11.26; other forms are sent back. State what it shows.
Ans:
12.45
